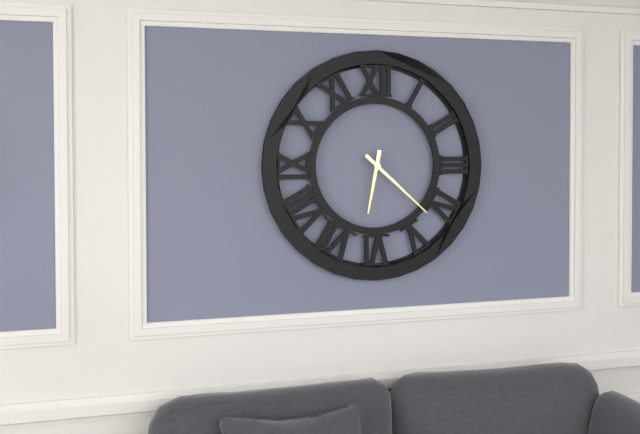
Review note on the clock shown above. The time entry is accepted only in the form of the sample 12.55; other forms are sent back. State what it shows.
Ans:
6.22
